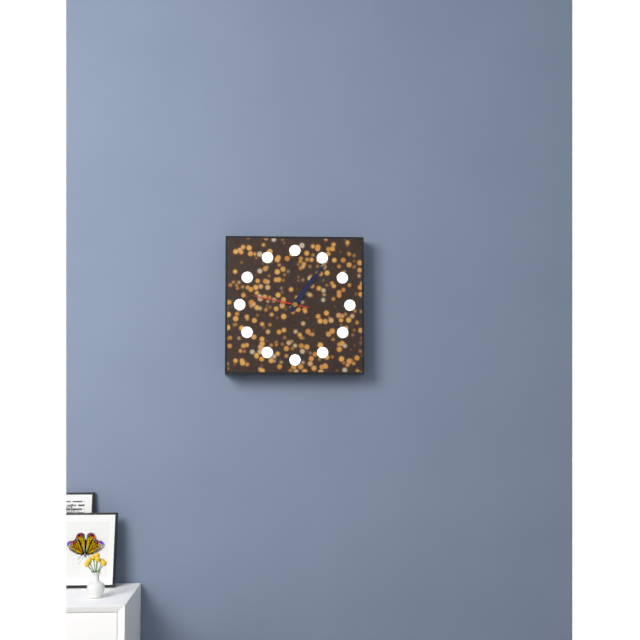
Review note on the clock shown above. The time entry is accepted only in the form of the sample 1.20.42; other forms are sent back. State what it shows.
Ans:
1.06.47
